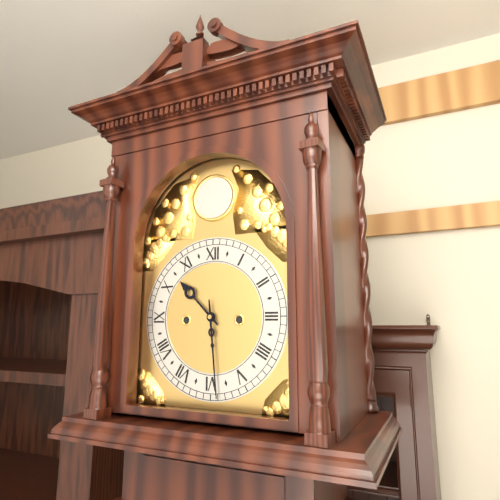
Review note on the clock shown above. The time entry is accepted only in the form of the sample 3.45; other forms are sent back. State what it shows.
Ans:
10.29
